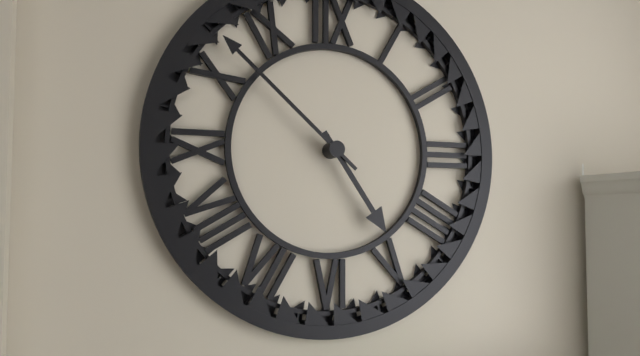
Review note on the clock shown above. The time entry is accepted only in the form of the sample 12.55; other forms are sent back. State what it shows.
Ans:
4.52
